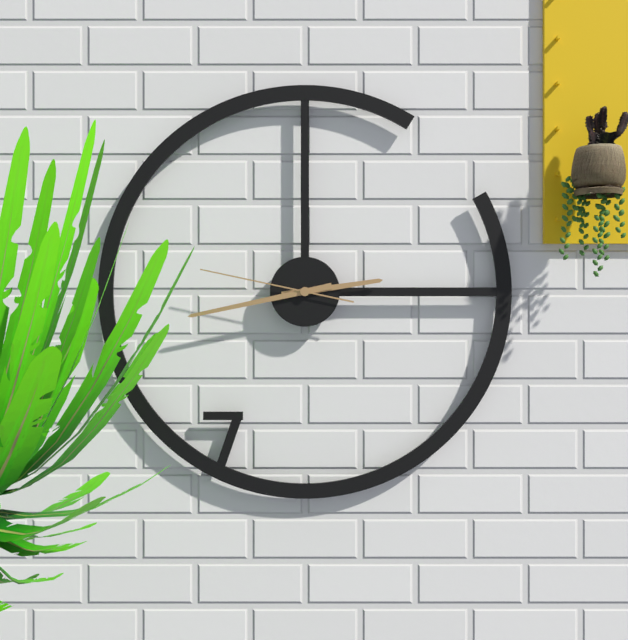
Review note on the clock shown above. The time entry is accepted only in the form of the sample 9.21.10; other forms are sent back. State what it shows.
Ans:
2.43.47
